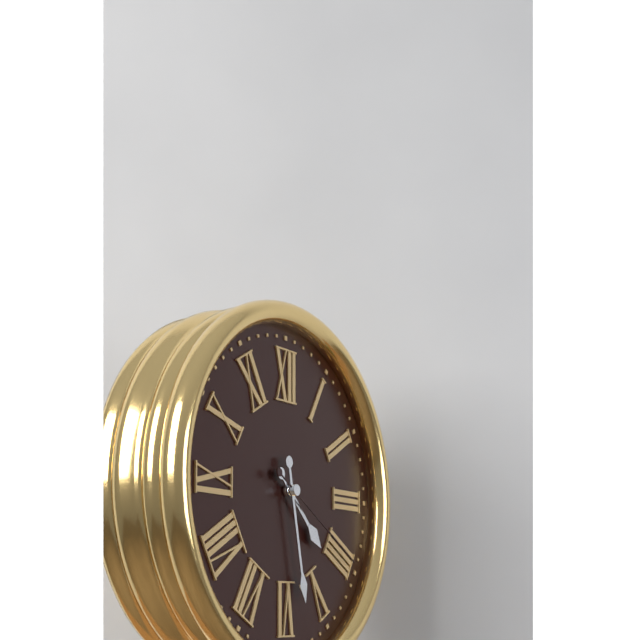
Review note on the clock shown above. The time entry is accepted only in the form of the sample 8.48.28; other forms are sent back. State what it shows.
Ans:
4.28.20
